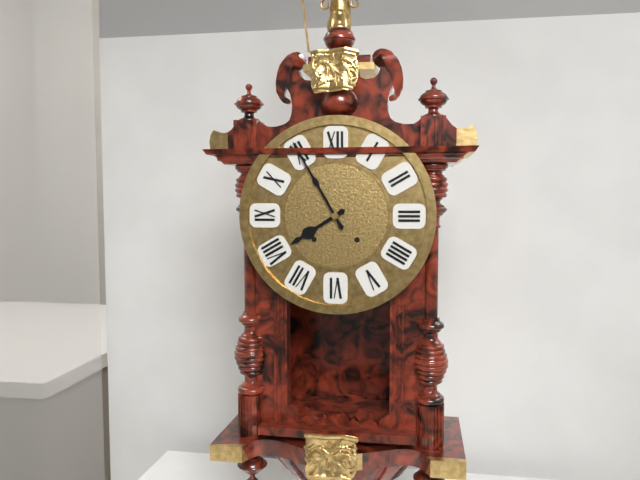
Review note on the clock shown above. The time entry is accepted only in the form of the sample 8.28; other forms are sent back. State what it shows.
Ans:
7.55
